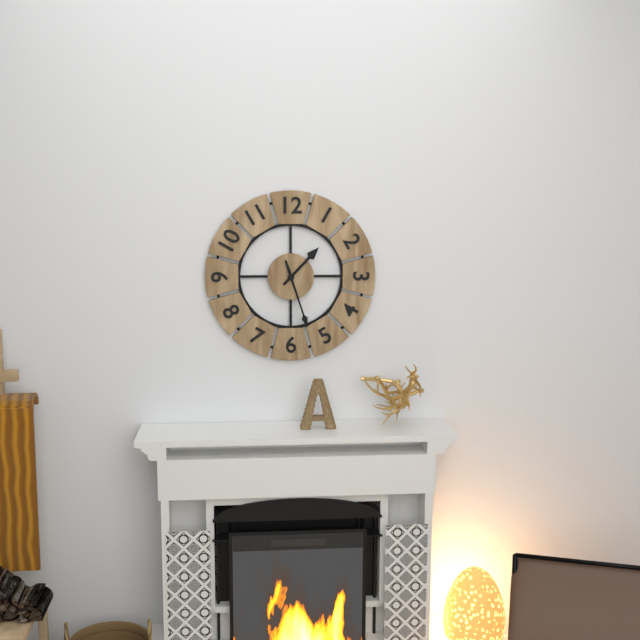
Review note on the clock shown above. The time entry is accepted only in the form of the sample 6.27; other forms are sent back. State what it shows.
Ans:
1.27
